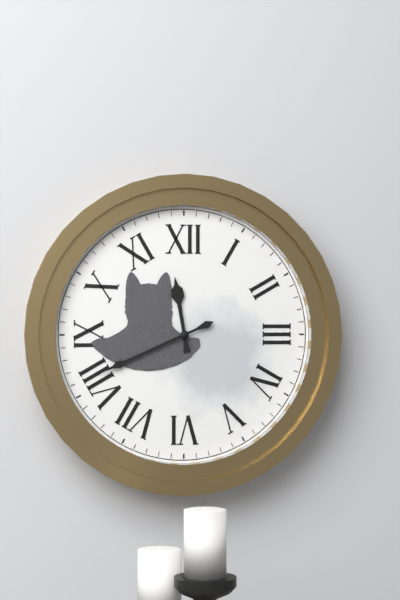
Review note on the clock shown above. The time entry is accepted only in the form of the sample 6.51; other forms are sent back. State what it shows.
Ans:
11.41
